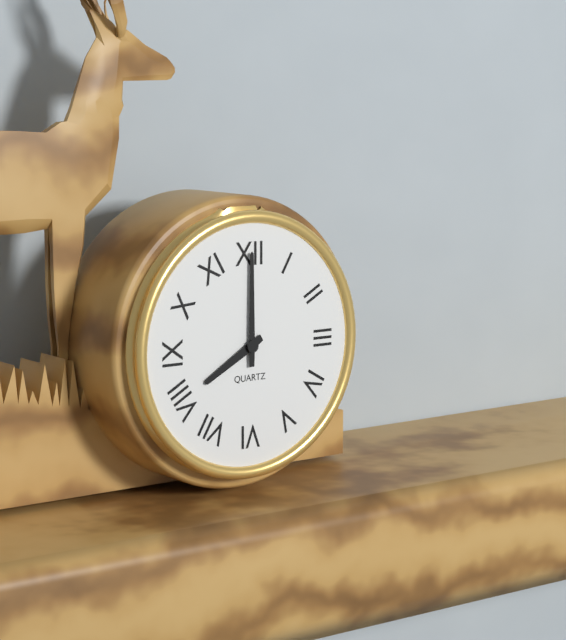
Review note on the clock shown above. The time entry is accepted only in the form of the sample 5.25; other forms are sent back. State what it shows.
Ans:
8.00
